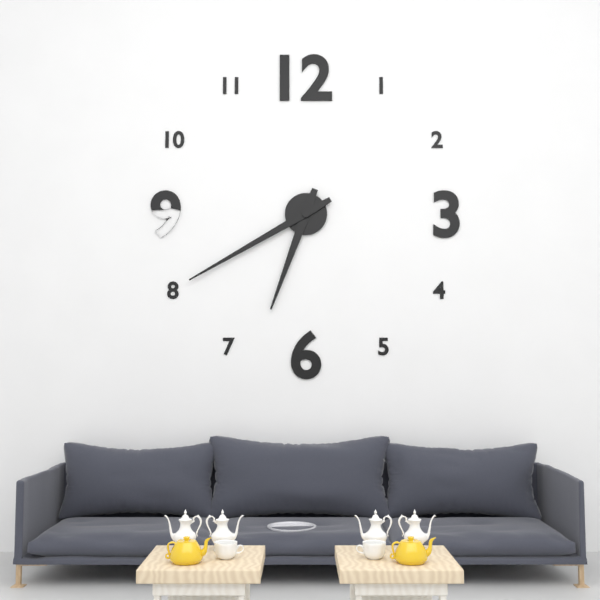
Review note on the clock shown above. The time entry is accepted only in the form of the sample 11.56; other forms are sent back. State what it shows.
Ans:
6.40
